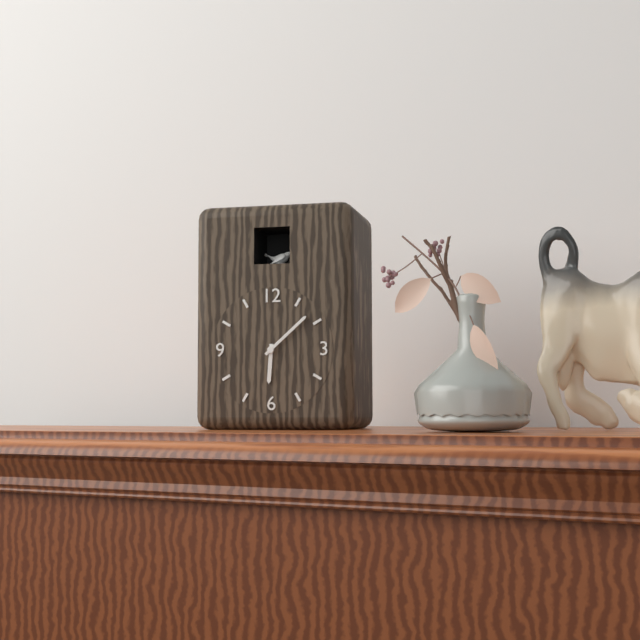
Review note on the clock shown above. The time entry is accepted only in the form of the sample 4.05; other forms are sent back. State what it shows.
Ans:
6.08
